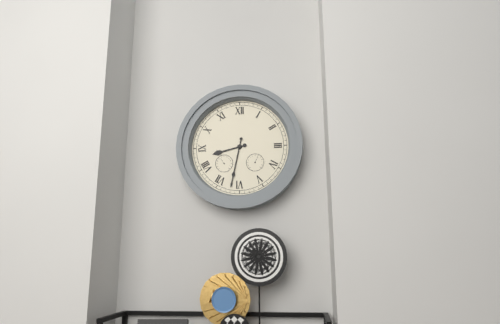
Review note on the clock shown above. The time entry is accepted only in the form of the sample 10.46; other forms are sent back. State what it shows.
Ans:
8.32
